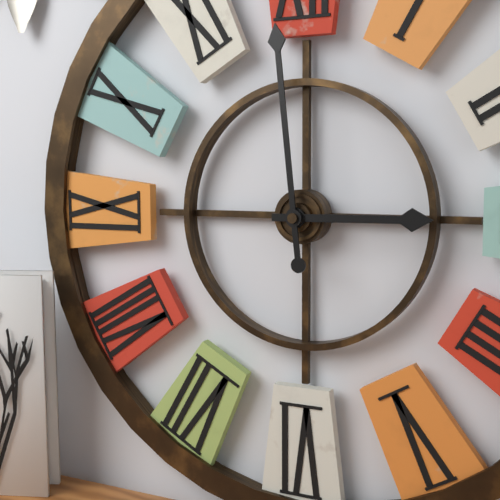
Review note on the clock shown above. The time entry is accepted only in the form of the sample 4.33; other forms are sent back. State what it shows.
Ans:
2.59
